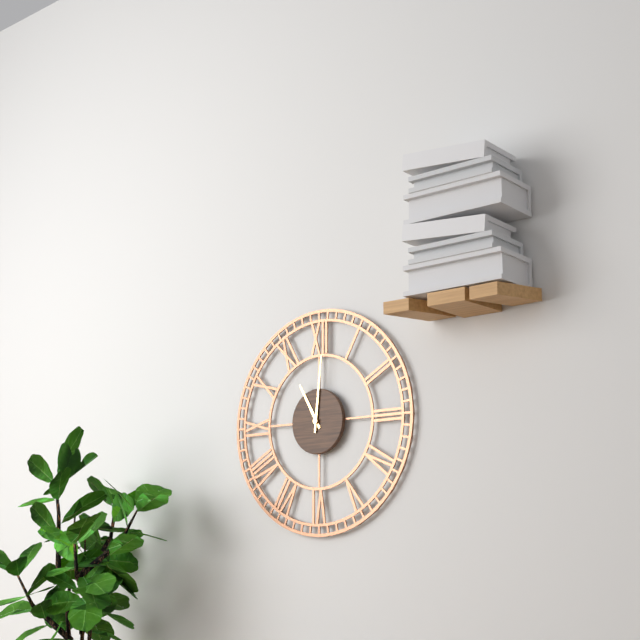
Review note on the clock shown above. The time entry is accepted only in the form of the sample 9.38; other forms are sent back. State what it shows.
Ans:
11.01
